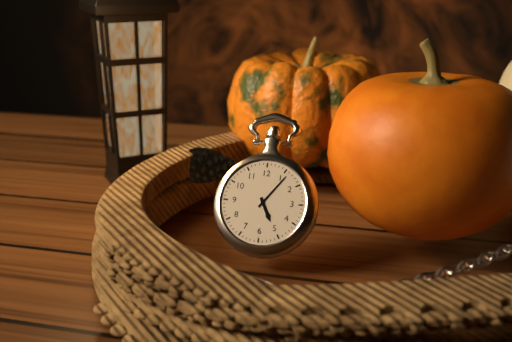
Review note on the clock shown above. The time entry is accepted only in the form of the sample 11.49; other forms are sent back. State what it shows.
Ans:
5.06
